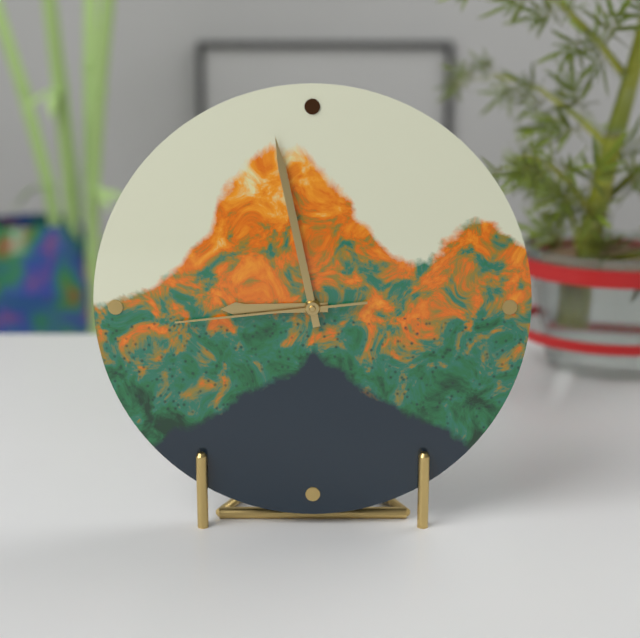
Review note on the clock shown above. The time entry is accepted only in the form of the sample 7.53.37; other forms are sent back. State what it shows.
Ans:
8.58.44
